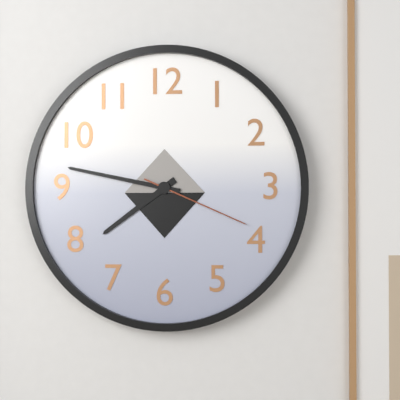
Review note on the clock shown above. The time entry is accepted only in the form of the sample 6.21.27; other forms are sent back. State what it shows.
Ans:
7.47.19
